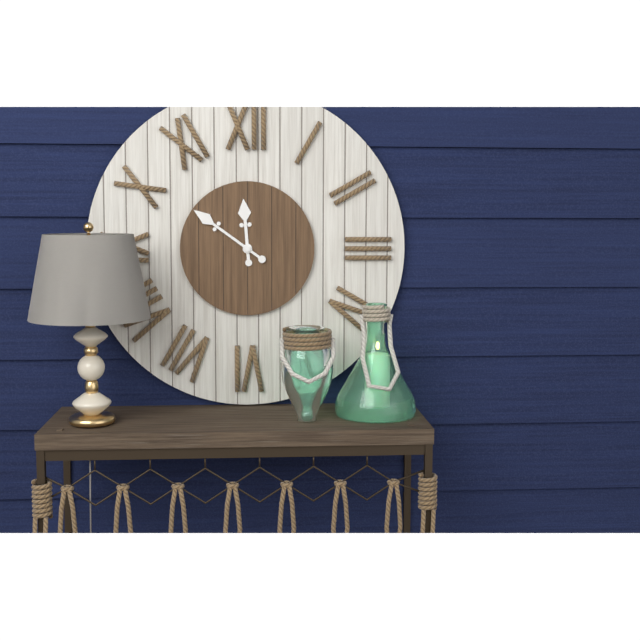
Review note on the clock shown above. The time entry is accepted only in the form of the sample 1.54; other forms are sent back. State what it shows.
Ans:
11.51
